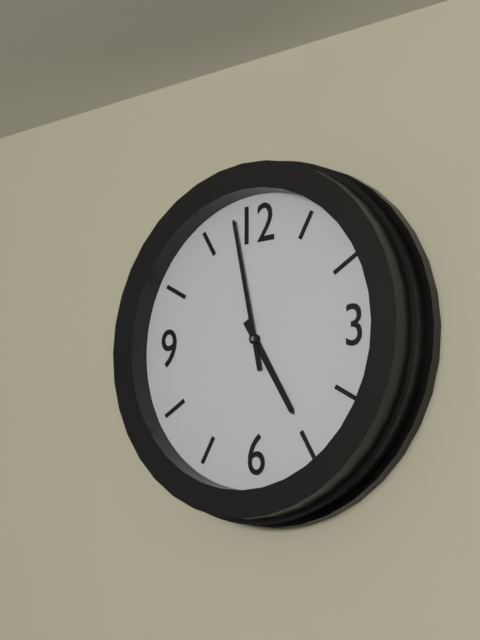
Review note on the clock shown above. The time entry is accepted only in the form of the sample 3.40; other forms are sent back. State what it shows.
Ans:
4.58
